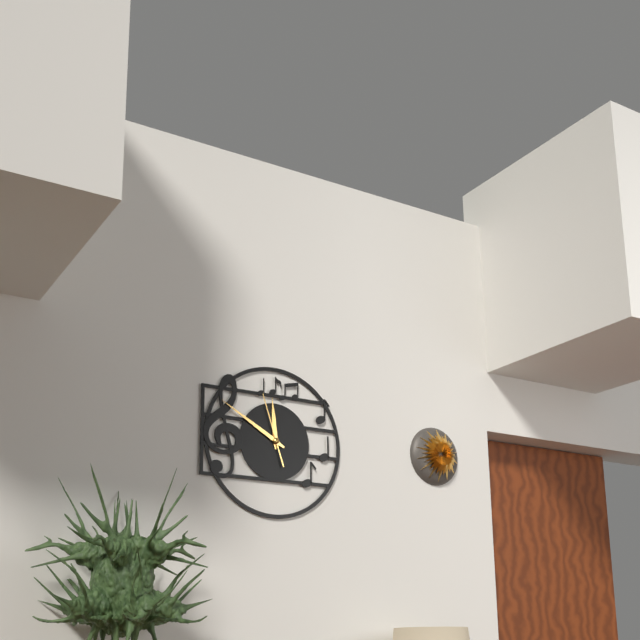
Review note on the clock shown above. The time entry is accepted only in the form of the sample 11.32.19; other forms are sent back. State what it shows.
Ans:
11.50.57
